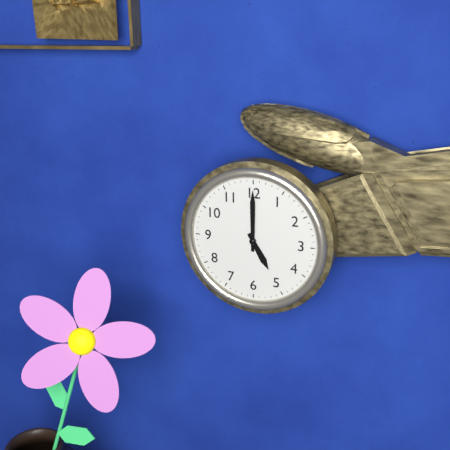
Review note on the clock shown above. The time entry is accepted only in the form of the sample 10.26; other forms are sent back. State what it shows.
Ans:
5.00
